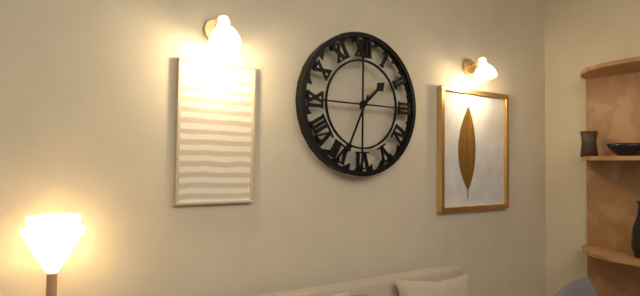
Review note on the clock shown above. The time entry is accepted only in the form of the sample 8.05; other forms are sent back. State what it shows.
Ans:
1.34
